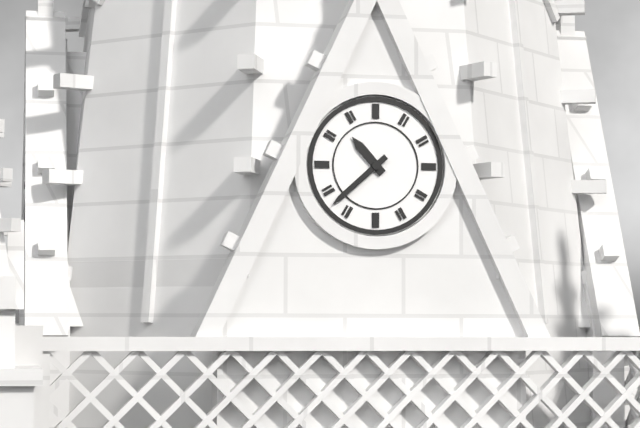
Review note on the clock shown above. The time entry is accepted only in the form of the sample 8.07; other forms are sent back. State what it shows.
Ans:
10.38
